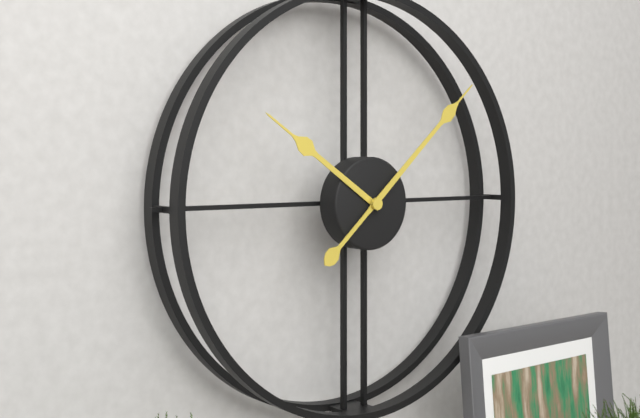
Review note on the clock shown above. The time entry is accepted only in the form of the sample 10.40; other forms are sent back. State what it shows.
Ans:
10.08
